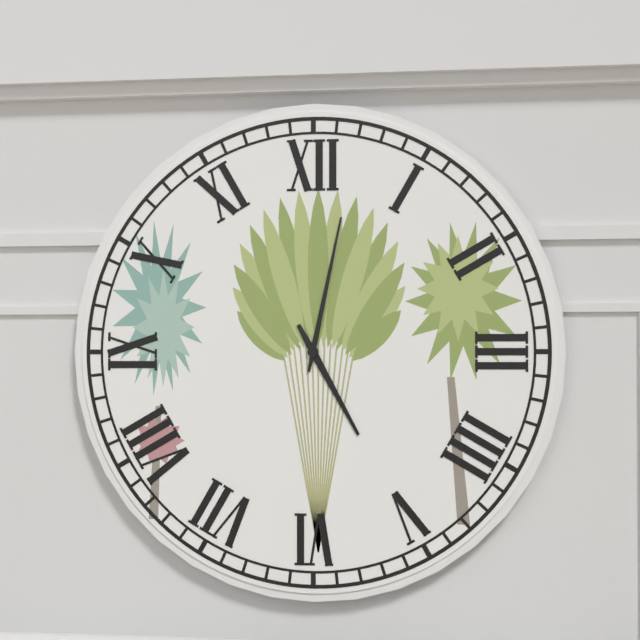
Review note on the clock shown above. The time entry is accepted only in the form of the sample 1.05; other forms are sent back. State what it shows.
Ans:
5.02
